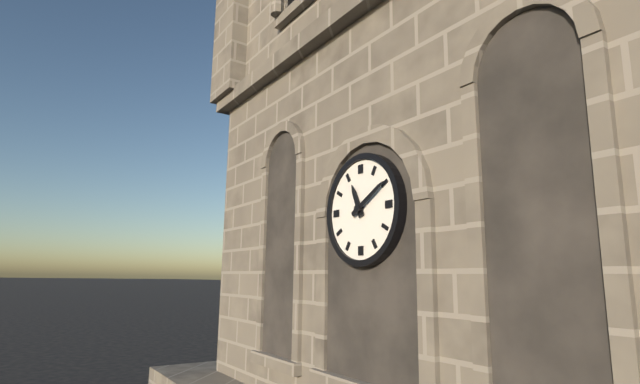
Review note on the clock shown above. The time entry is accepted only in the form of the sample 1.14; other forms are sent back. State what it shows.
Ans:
11.10
